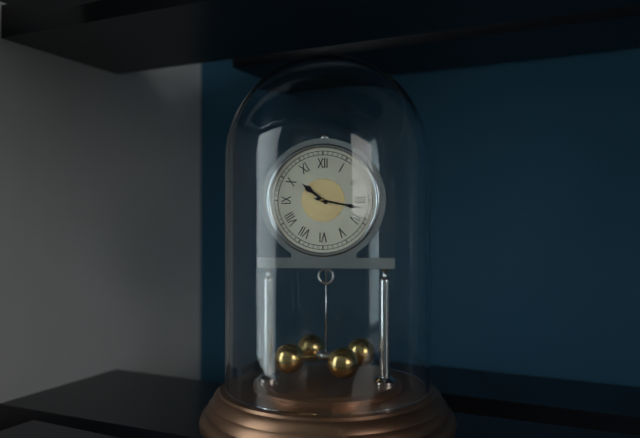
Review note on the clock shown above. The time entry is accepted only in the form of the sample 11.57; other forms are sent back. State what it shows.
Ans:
10.17
